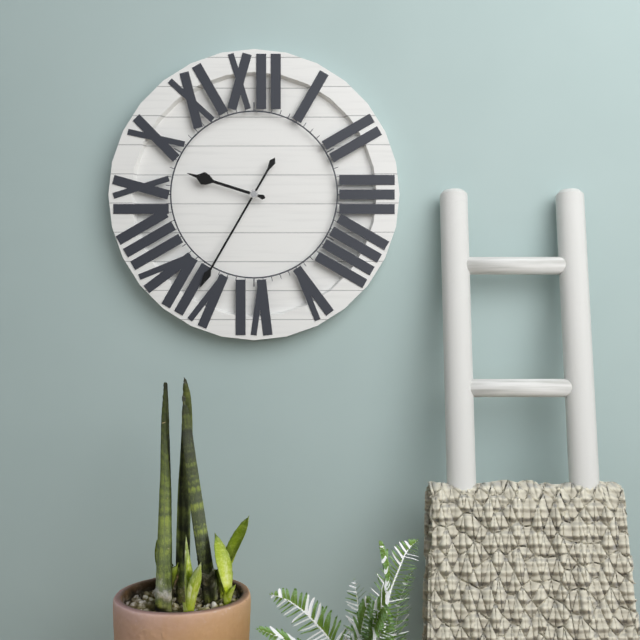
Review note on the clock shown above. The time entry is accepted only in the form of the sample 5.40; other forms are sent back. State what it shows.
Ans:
9.35
